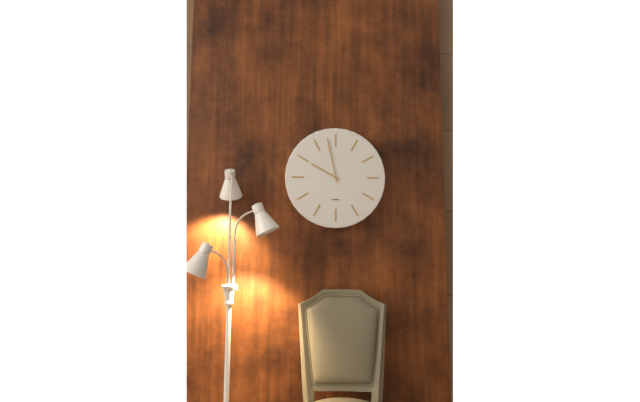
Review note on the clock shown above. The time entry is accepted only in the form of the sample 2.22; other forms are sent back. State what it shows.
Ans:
9.58
